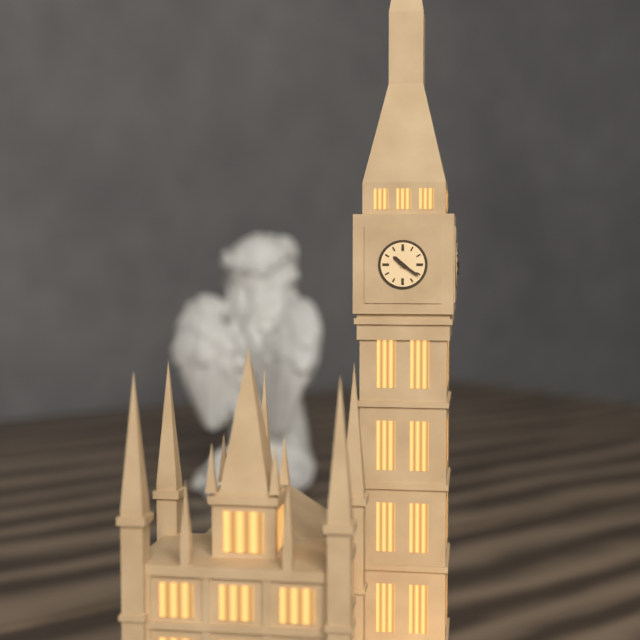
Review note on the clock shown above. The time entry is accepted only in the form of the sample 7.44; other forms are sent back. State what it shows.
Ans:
10.21
